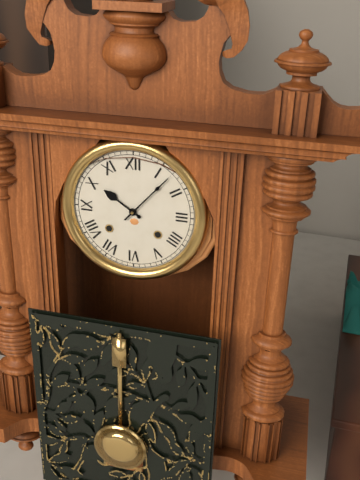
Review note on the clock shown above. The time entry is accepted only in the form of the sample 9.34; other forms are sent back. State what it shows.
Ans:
10.07
